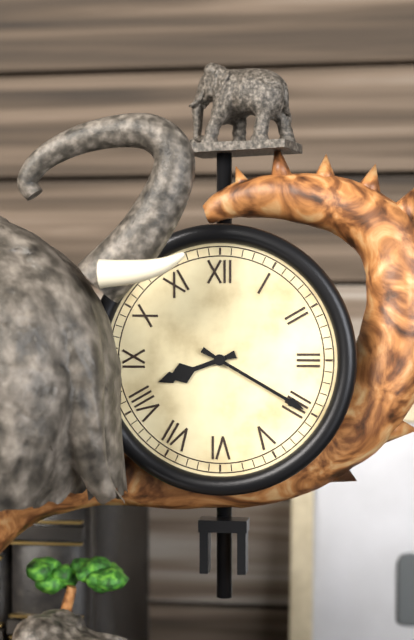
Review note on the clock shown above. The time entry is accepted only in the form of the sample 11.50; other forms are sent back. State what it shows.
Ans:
8.20
